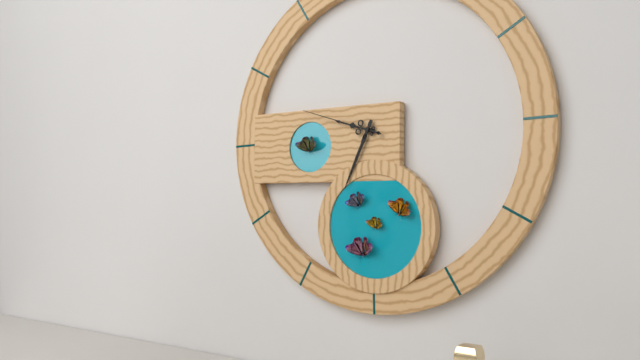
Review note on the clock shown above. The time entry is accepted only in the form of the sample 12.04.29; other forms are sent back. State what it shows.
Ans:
9.34.48
